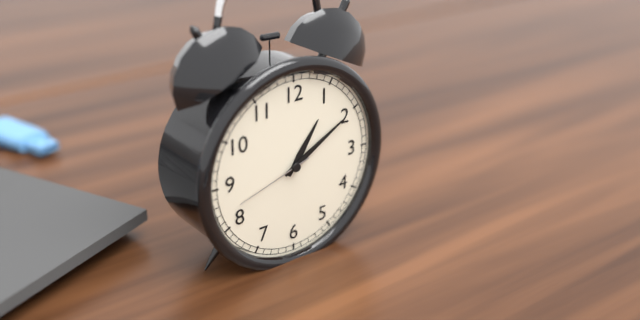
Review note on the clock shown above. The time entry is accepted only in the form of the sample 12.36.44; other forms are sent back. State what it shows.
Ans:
1.10.42
